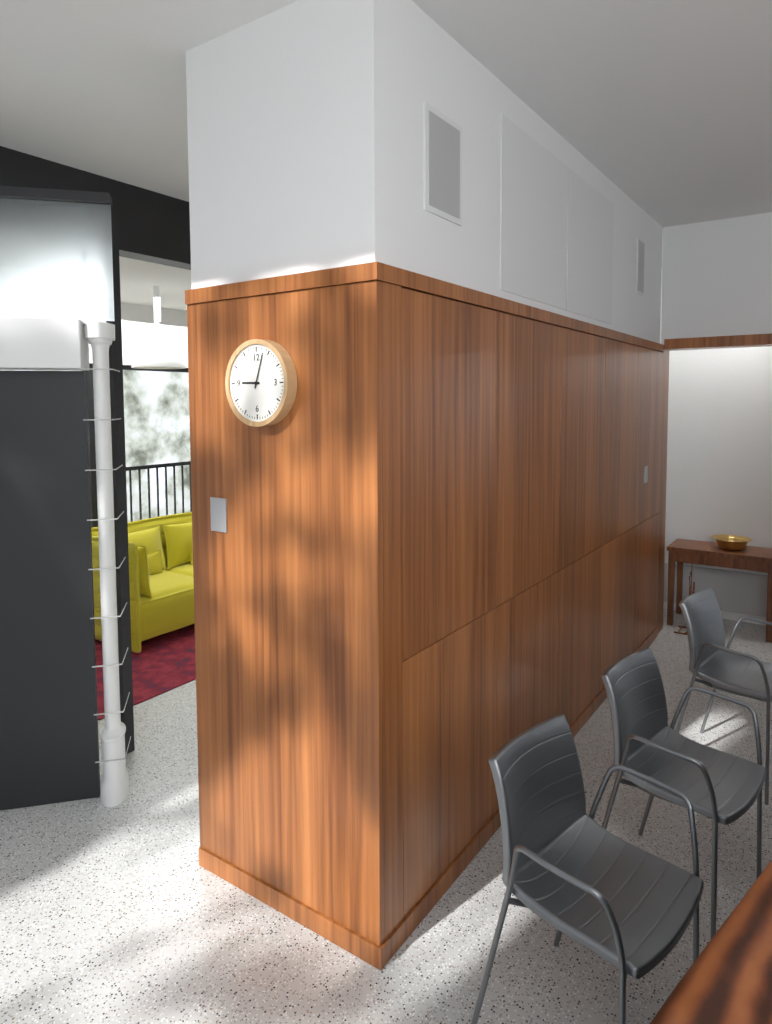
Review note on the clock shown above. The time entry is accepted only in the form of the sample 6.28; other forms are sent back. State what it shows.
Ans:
9.03
